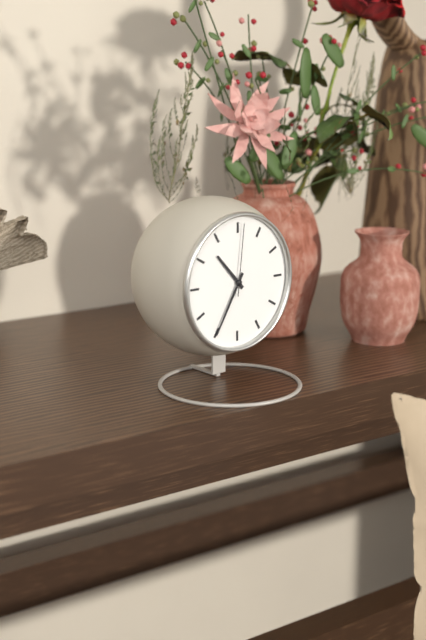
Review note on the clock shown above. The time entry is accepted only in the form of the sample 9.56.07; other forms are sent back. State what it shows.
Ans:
10.35.01
